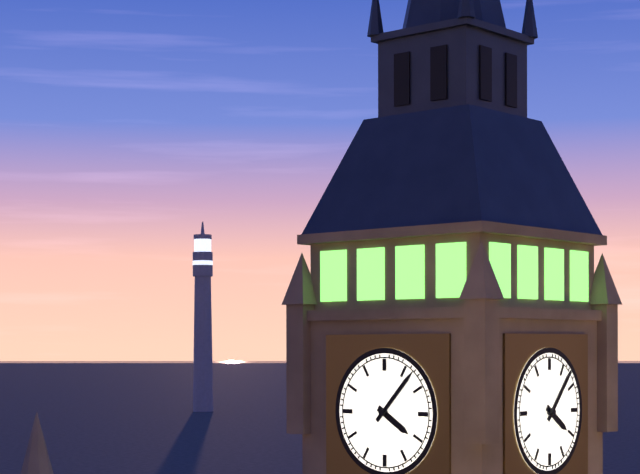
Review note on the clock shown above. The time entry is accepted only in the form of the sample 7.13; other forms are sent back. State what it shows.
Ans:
4.07
